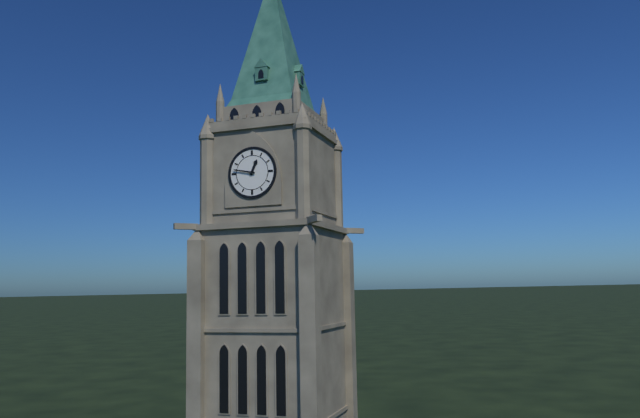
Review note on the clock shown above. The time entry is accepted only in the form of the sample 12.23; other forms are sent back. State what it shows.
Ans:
12.47
